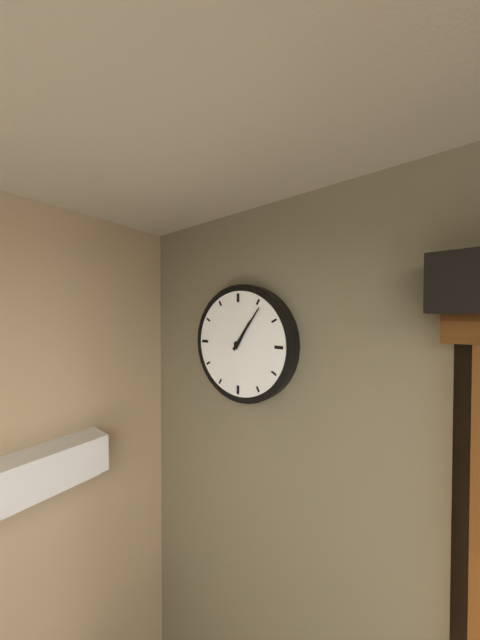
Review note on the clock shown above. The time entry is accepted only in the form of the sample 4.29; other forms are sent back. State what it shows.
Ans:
1.06
